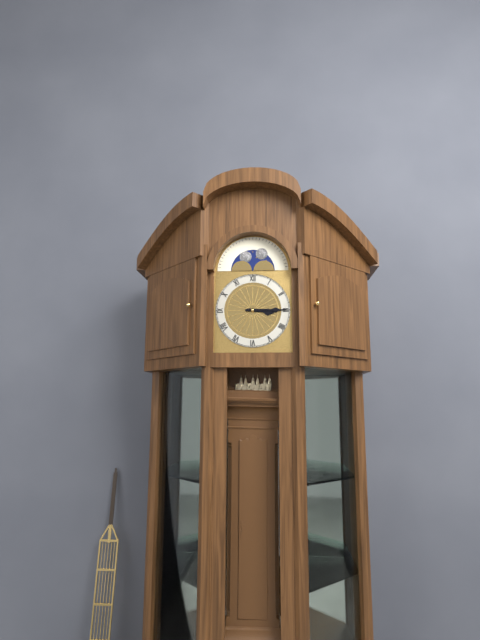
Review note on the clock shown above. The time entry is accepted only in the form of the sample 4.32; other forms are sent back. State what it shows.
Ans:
3.15
